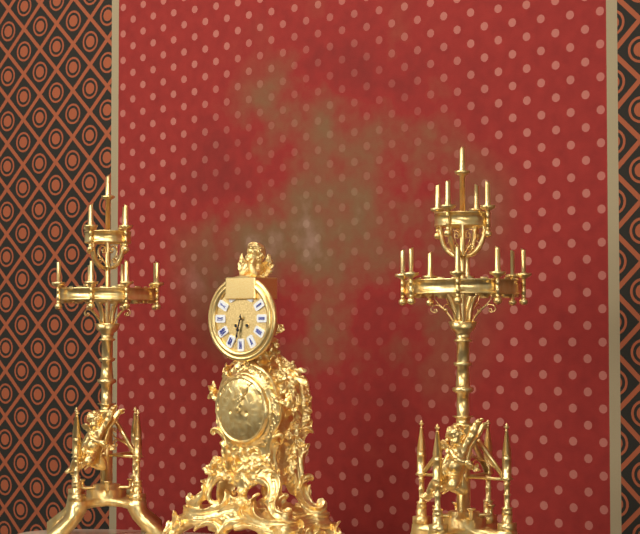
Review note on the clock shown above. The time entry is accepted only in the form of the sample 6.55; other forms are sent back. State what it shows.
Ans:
6.32
